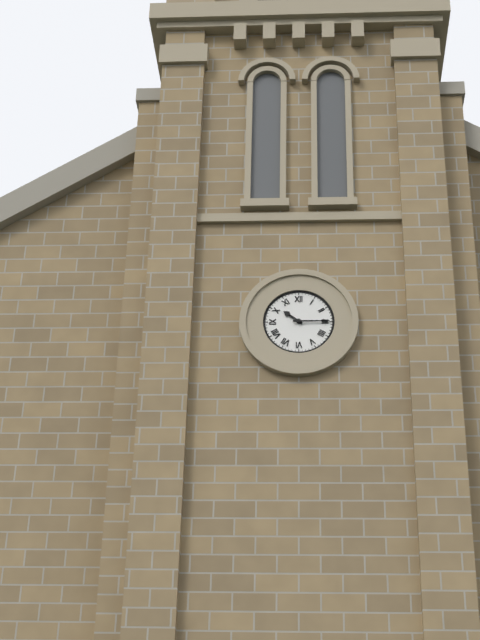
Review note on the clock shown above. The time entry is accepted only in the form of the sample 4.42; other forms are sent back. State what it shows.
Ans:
10.15
